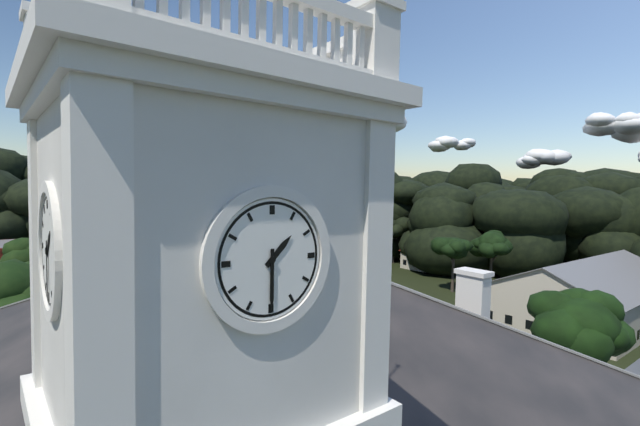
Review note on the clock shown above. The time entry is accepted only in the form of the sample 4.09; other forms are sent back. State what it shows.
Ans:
1.30
